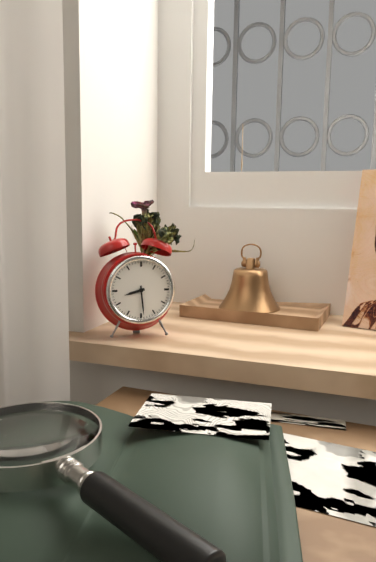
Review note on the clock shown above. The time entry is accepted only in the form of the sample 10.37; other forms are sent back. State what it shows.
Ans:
8.29
